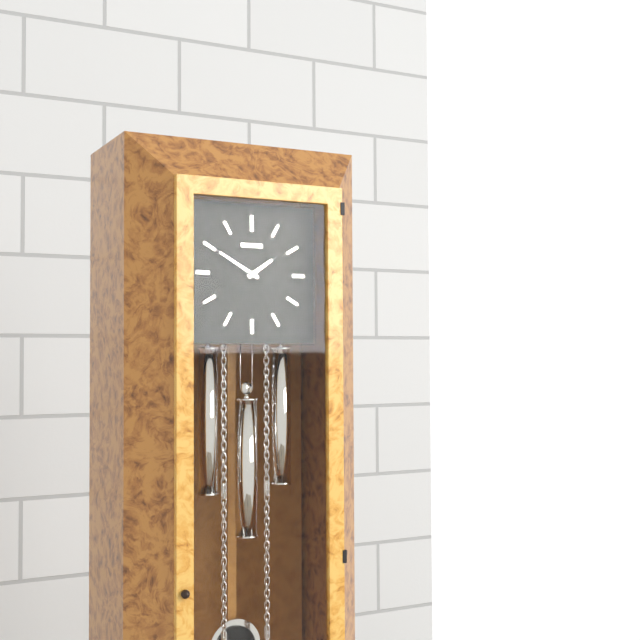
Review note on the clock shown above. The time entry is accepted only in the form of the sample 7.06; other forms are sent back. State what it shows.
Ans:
1.50
